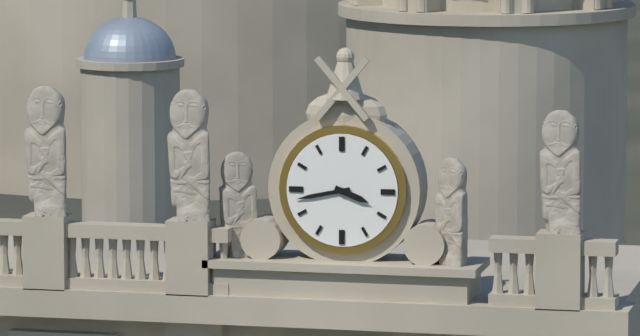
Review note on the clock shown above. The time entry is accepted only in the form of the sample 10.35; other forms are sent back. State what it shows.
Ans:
3.43
